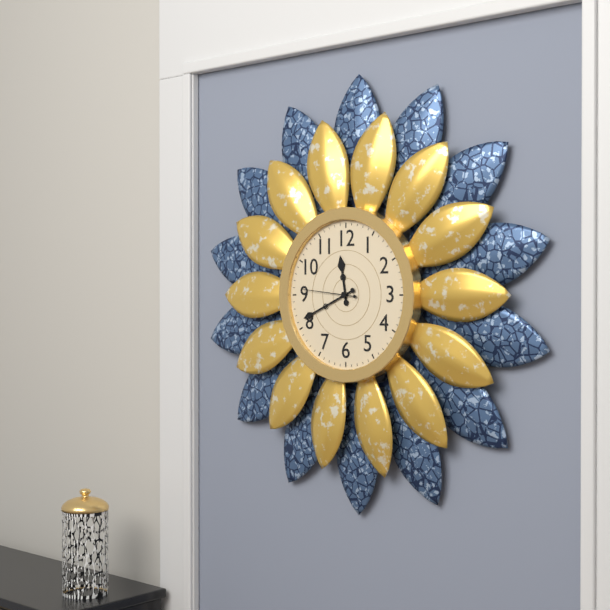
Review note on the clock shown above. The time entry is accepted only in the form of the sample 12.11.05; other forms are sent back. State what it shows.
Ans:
11.41.46
